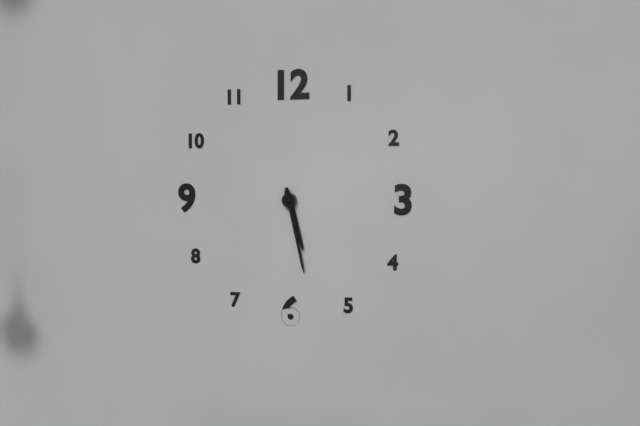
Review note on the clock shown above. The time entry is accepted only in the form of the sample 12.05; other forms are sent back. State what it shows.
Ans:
5.28
